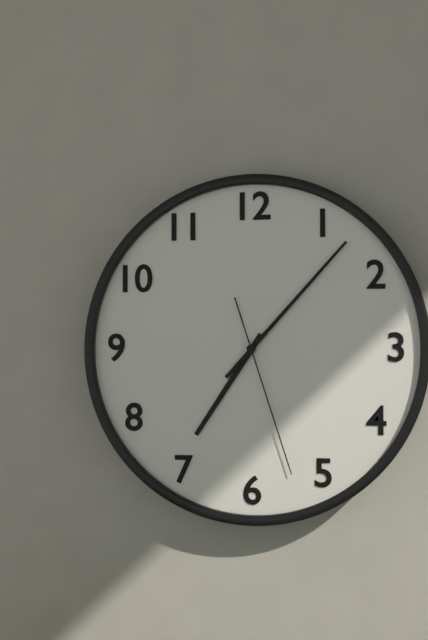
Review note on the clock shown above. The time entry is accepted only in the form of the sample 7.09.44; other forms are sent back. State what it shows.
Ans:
7.07.27
